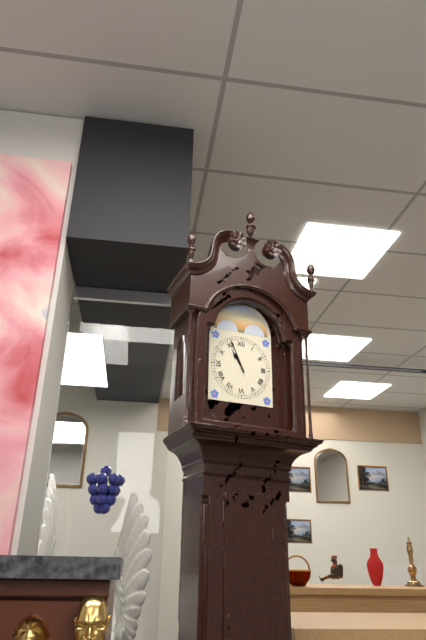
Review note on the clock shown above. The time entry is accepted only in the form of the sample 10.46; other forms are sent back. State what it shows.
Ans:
10.56
